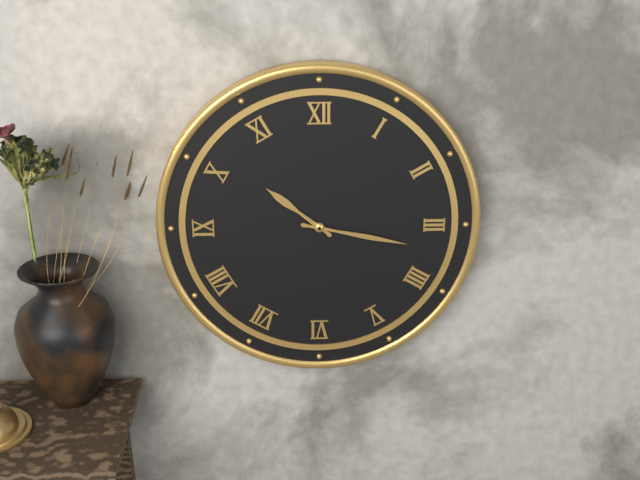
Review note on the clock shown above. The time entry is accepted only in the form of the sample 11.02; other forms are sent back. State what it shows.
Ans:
10.17
